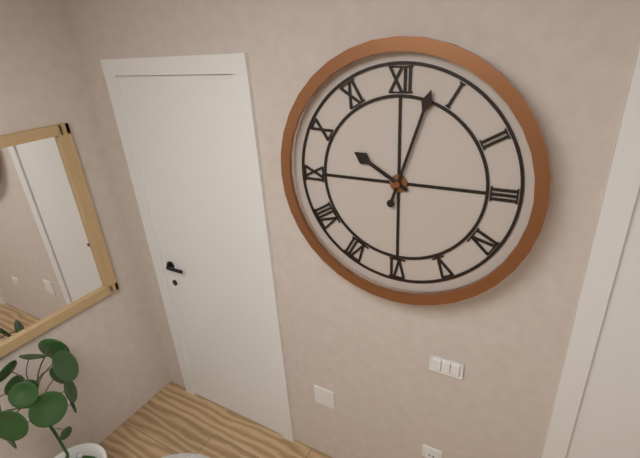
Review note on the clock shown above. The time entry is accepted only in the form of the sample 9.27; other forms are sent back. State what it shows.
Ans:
10.03
